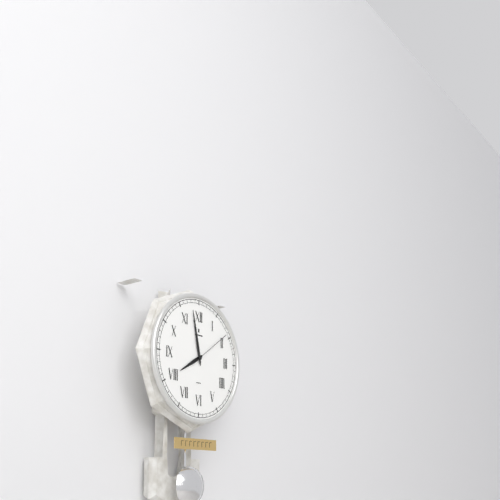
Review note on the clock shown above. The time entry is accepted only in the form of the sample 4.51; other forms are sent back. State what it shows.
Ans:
7.58
